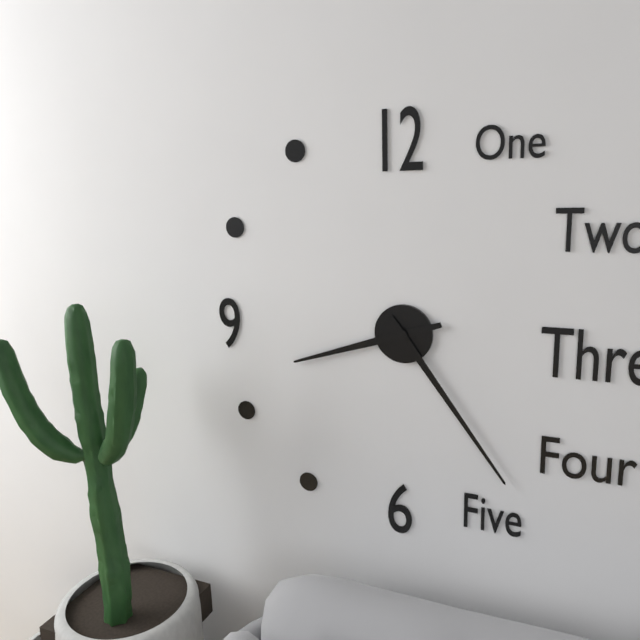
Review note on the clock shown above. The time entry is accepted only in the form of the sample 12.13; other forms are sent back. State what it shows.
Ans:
8.24
